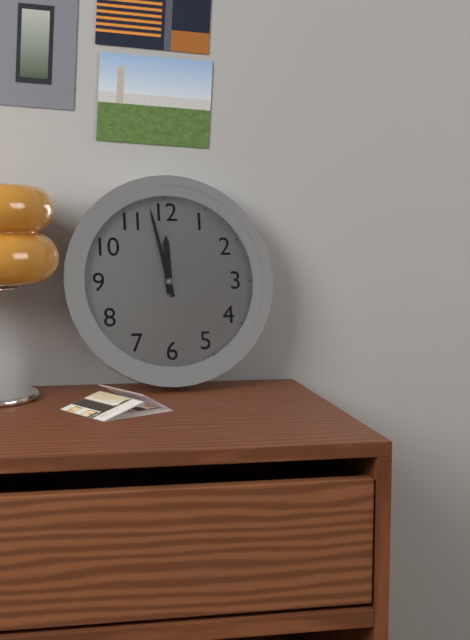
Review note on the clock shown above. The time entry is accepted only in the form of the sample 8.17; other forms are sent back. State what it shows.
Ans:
11.58
